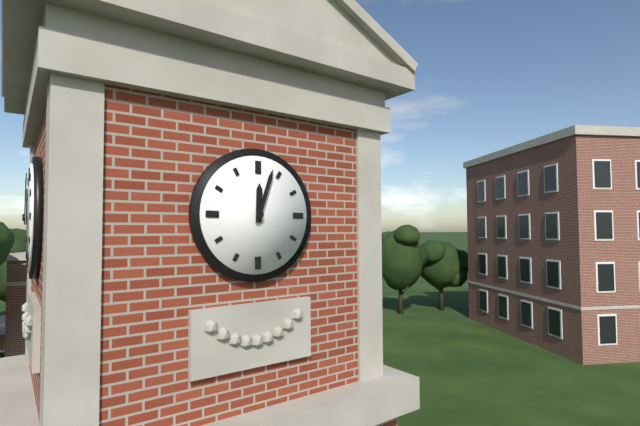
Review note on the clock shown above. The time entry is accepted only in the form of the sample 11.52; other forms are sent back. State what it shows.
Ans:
12.03
